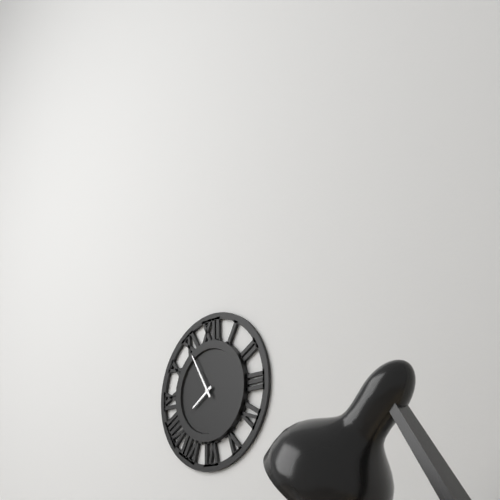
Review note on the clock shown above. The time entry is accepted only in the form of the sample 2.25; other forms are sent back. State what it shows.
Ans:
7.55
